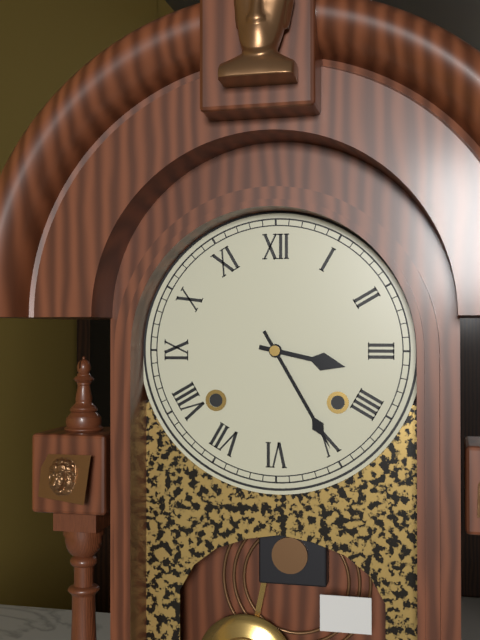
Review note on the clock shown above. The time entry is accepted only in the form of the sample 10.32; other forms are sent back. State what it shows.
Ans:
3.25
